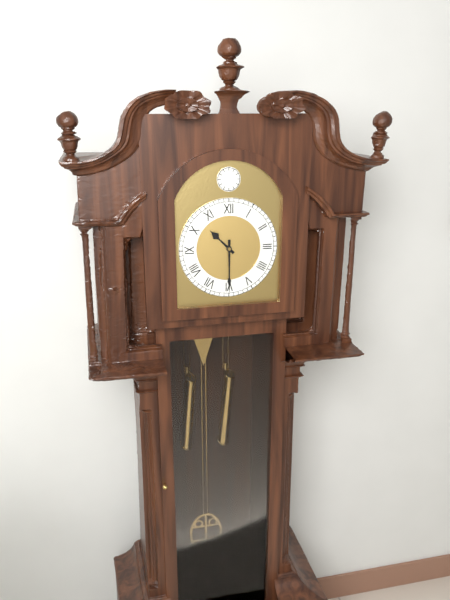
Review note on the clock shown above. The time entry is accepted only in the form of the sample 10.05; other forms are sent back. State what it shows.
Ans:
10.30
